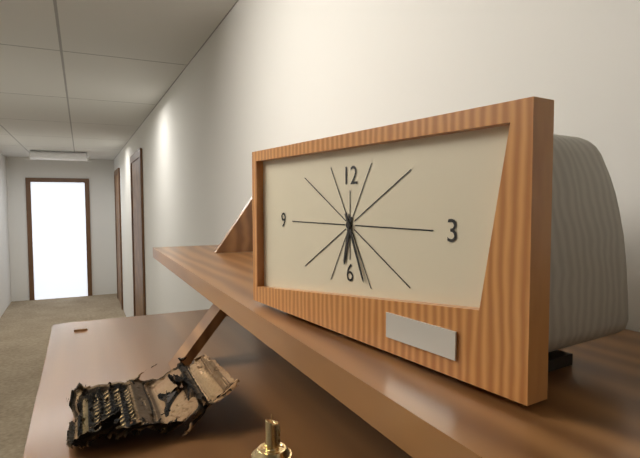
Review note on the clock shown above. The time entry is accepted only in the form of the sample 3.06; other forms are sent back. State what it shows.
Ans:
6.26
